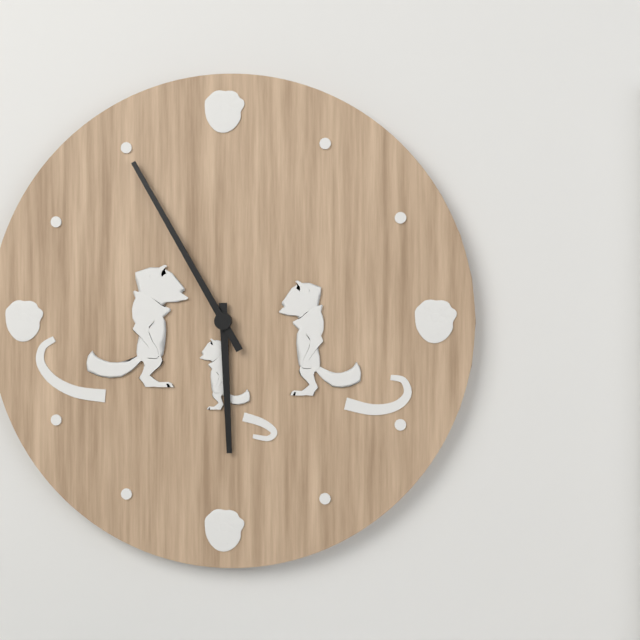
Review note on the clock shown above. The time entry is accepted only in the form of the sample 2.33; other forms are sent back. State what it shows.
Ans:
5.55
